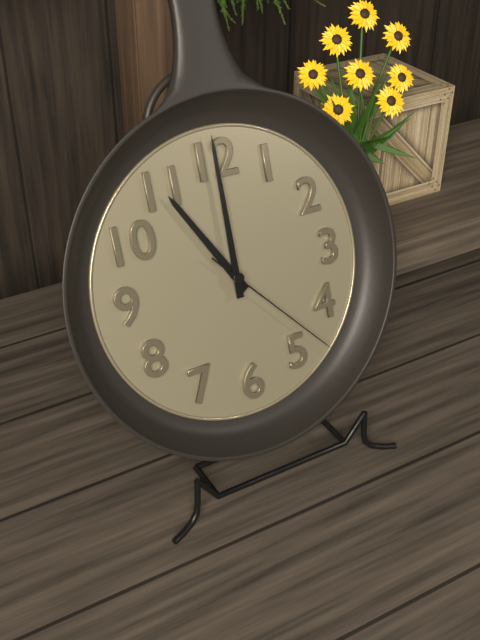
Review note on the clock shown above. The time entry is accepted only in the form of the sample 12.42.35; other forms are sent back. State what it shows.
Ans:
11.00.23
